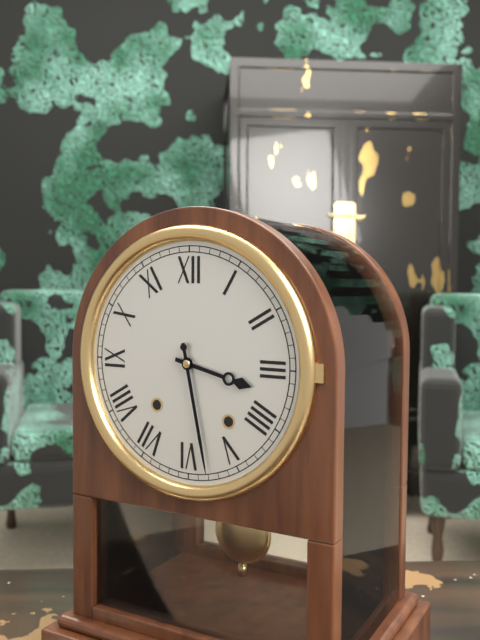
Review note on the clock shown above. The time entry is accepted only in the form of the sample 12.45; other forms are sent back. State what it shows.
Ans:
3.28
